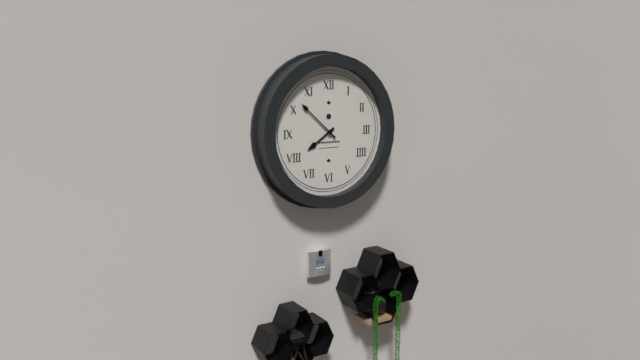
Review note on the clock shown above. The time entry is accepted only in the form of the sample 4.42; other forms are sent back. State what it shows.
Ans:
7.52
